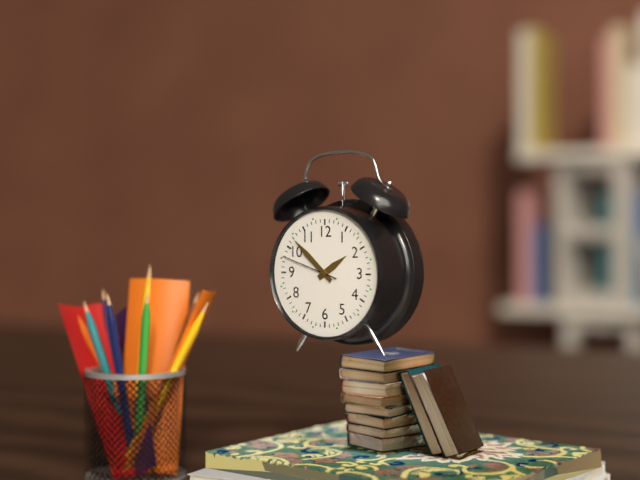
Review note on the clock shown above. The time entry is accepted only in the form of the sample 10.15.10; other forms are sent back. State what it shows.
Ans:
1.52.48
